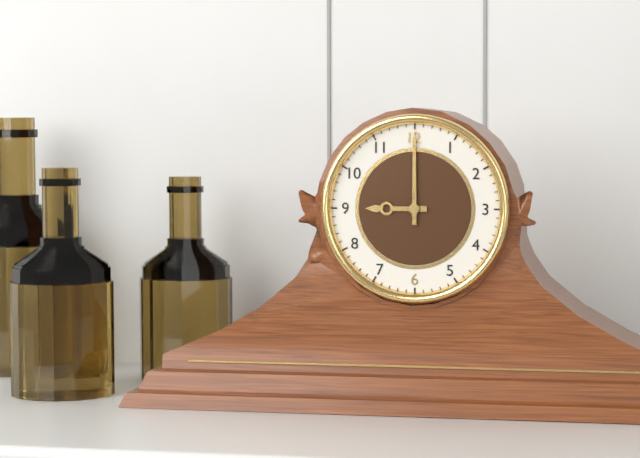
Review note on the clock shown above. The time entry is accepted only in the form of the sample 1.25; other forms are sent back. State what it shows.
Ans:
9.00
